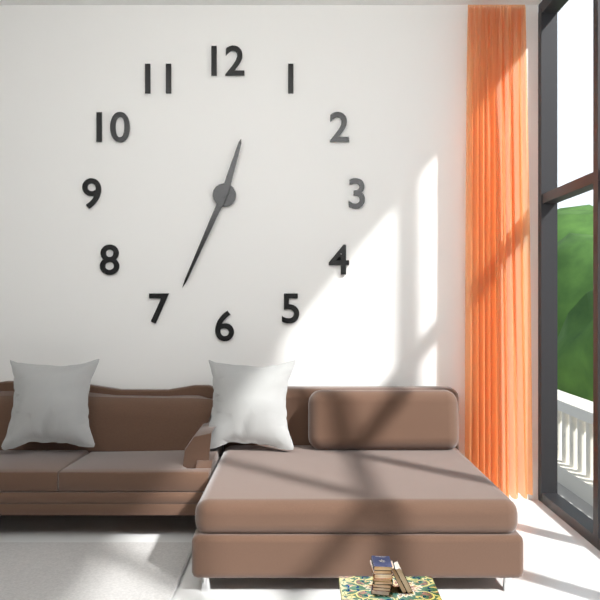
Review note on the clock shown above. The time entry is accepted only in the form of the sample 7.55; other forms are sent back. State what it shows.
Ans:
12.34
